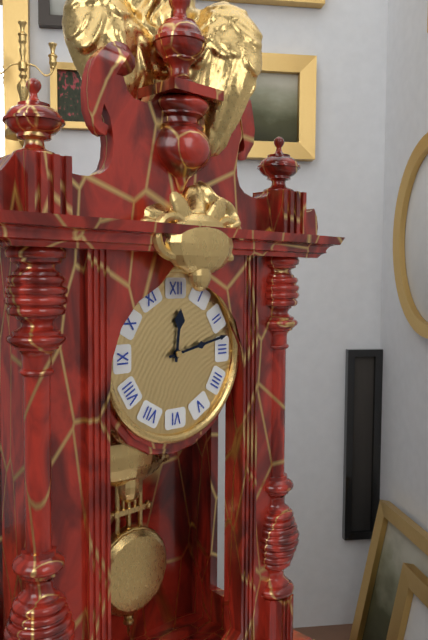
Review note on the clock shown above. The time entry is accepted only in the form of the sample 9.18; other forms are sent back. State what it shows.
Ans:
12.13
